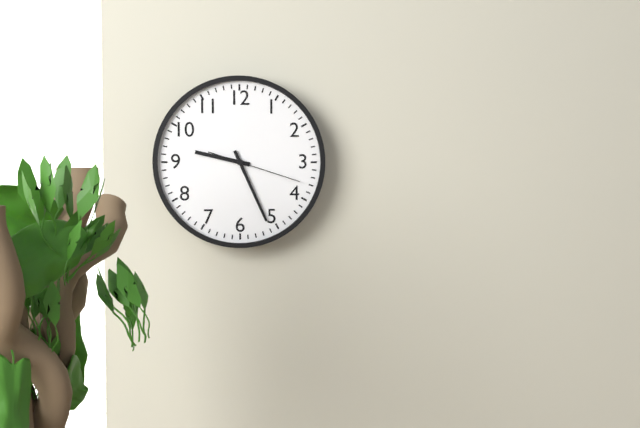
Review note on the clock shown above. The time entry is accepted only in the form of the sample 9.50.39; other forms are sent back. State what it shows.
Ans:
9.26.18
